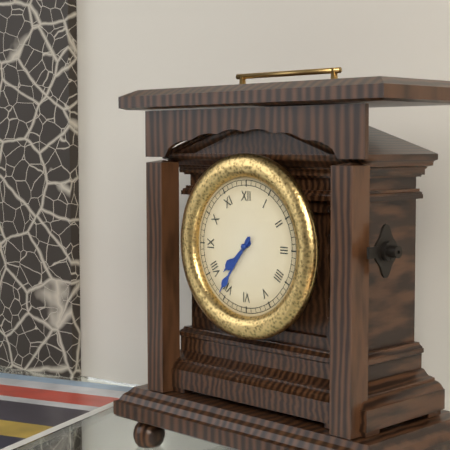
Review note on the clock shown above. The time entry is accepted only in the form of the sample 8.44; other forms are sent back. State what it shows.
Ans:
7.36
